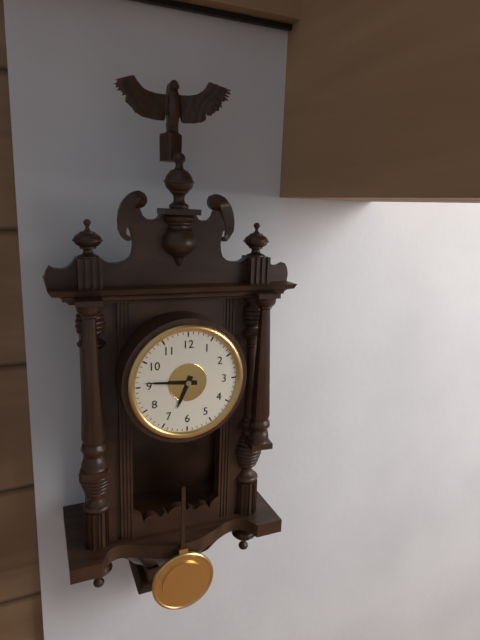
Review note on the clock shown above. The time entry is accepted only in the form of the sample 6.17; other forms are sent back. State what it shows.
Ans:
6.46
